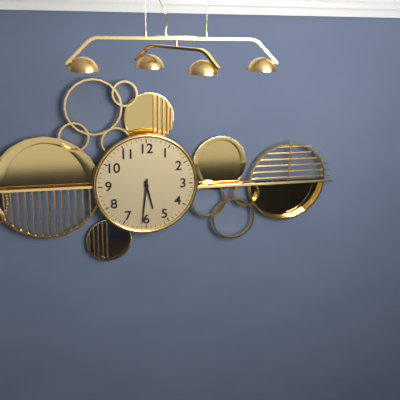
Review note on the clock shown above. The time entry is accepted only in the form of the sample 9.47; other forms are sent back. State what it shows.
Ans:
5.31
